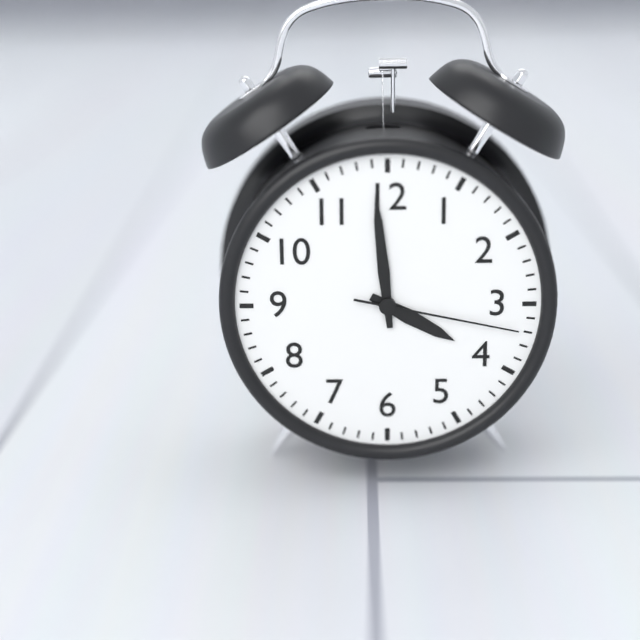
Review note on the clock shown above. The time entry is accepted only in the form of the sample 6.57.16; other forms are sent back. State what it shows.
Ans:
3.59.17
